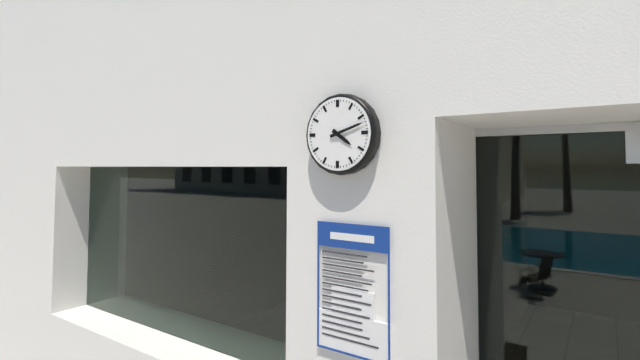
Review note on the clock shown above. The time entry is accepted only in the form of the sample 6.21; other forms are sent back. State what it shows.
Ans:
4.12
